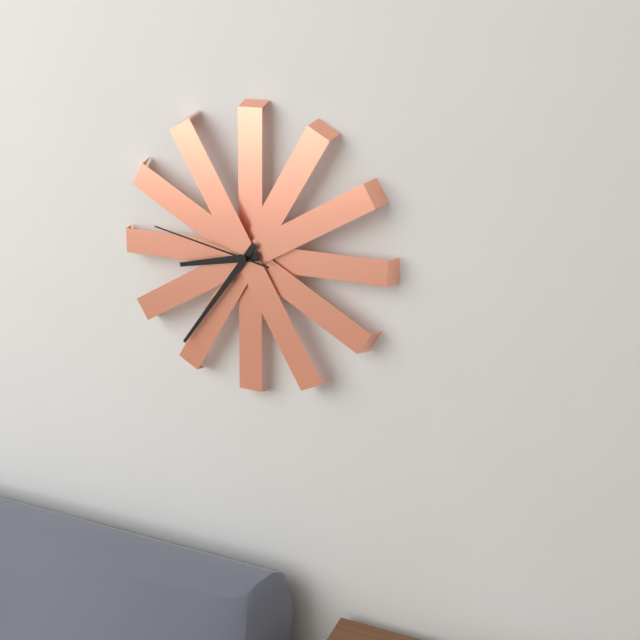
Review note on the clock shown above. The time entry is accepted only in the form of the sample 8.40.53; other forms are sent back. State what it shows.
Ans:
8.36.47
